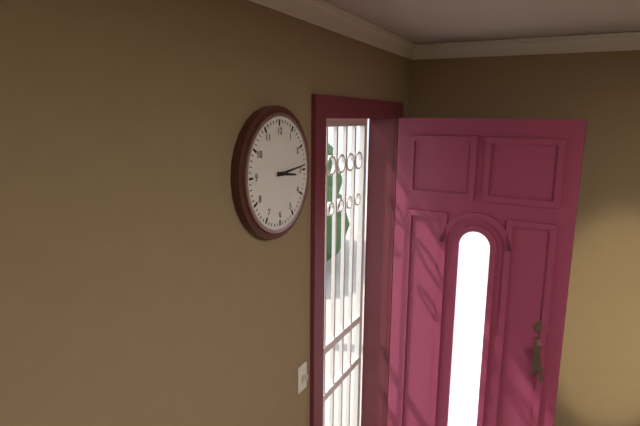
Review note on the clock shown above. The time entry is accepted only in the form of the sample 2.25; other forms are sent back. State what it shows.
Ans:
3.14
